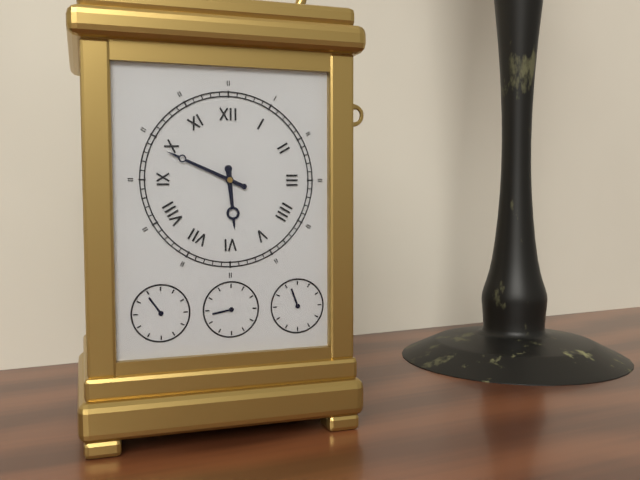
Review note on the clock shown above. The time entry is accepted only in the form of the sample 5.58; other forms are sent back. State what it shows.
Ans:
5.49
